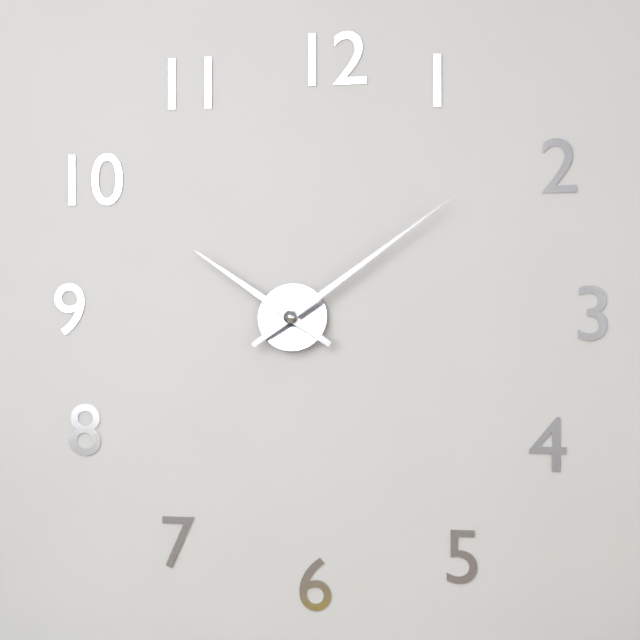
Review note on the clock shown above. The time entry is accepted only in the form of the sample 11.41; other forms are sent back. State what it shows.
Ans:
10.09
